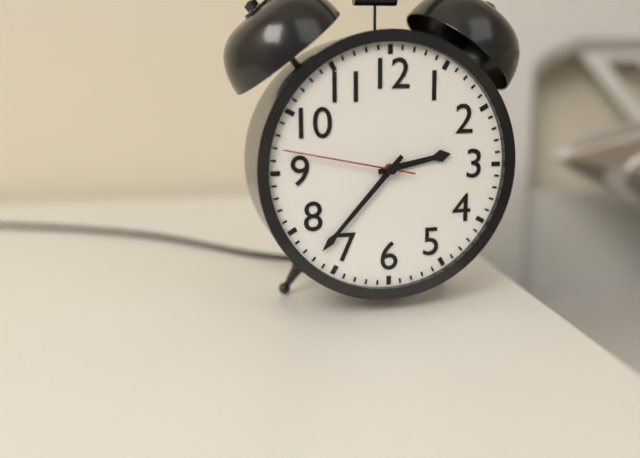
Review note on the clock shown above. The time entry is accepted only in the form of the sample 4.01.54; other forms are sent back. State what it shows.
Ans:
2.37.47
